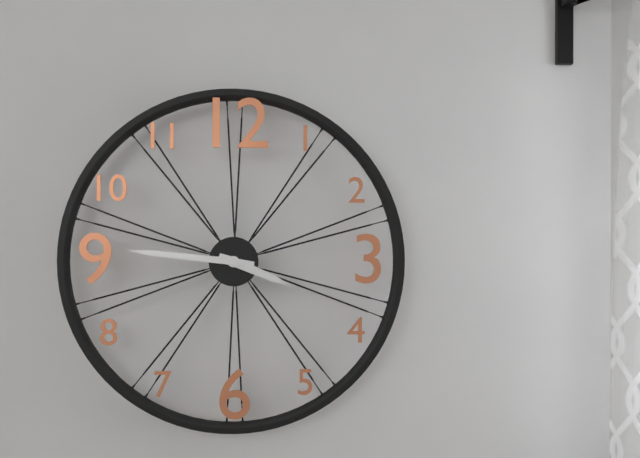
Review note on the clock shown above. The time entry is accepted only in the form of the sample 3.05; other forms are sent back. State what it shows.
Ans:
3.46
